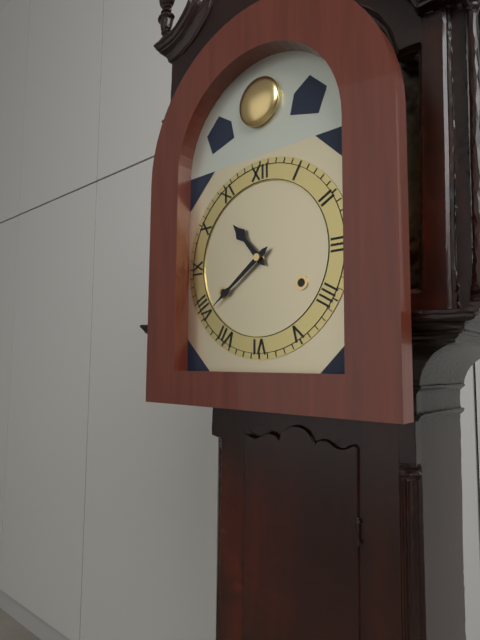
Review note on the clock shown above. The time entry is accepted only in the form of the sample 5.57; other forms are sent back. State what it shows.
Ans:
10.39
